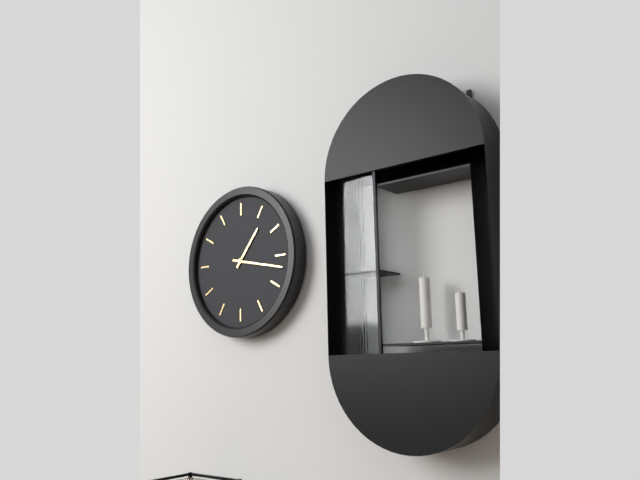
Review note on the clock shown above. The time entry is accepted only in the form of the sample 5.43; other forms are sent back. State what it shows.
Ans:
1.17
